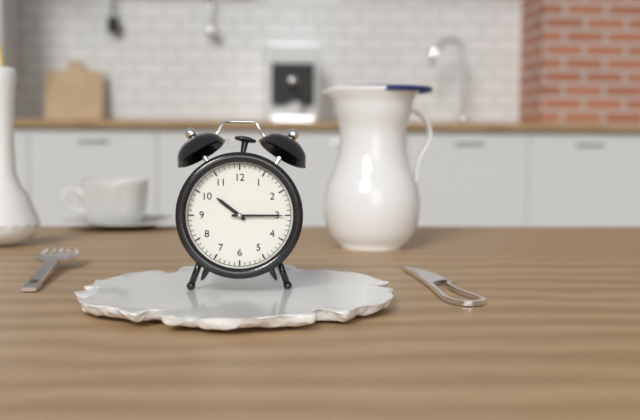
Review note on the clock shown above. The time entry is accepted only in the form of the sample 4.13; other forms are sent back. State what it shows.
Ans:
10.15
